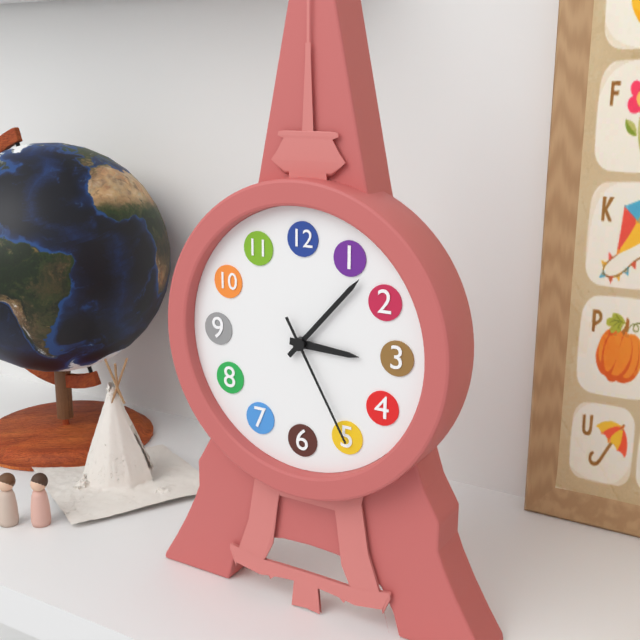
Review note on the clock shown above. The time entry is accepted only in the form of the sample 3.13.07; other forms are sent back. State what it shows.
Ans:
3.07.25
